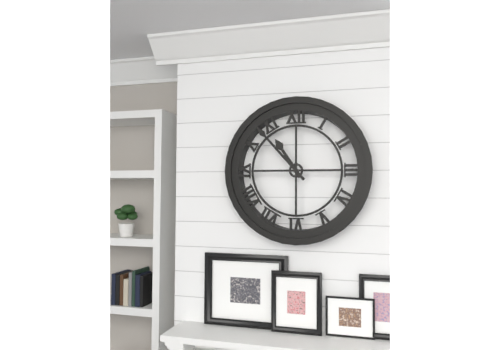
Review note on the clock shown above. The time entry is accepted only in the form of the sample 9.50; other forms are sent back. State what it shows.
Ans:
10.53
